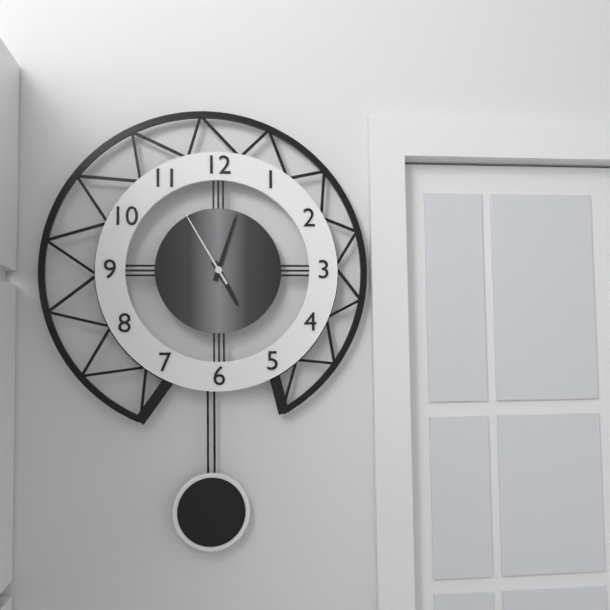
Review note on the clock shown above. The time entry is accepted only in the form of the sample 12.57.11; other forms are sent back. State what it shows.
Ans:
5.03.55
